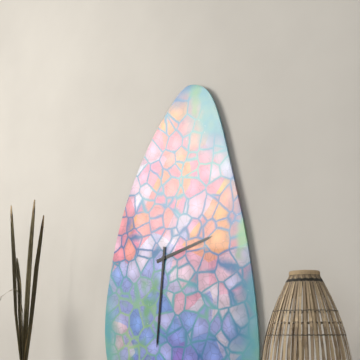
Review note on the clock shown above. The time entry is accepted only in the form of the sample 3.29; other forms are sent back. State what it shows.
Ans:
2.31
